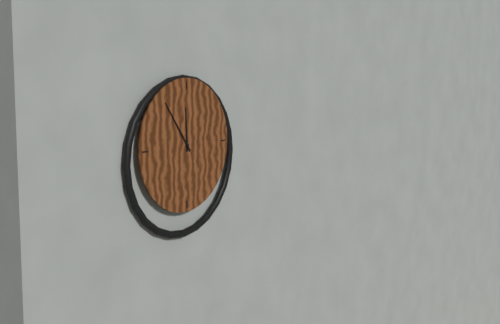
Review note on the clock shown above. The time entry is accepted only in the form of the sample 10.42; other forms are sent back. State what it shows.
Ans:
11.54
